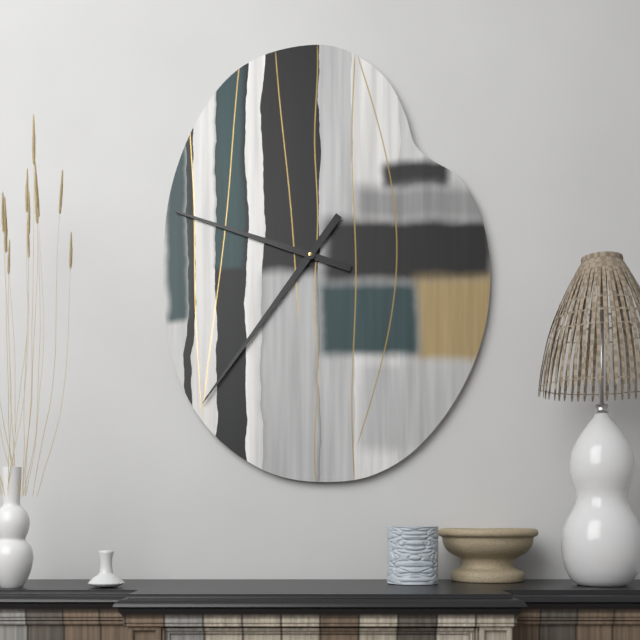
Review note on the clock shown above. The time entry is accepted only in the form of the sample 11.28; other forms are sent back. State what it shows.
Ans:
9.36
